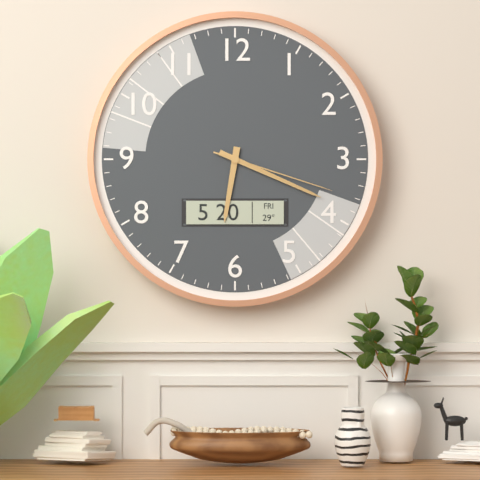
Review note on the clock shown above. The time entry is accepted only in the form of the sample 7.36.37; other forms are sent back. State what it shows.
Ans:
6.19.18
